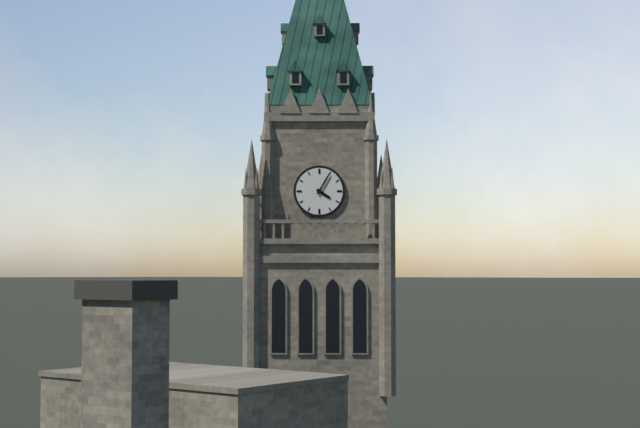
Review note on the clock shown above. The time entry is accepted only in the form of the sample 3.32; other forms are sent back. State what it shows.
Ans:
4.05
